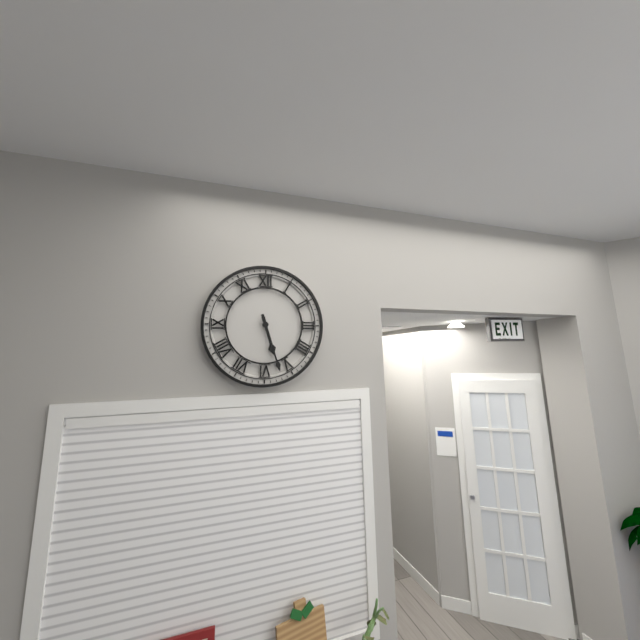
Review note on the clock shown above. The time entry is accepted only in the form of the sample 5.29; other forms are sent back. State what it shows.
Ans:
5.27
